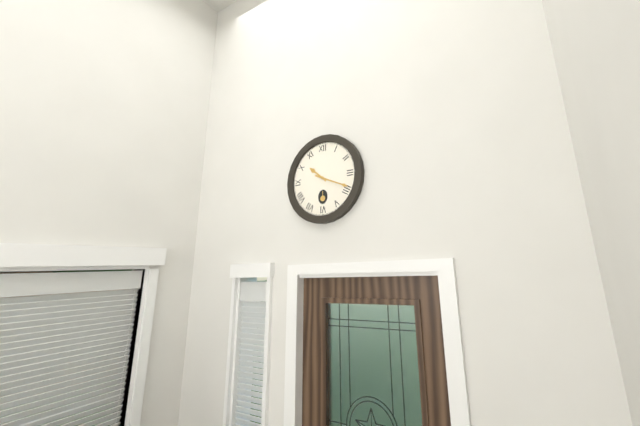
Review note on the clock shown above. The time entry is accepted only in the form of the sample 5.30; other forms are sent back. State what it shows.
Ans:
10.19
